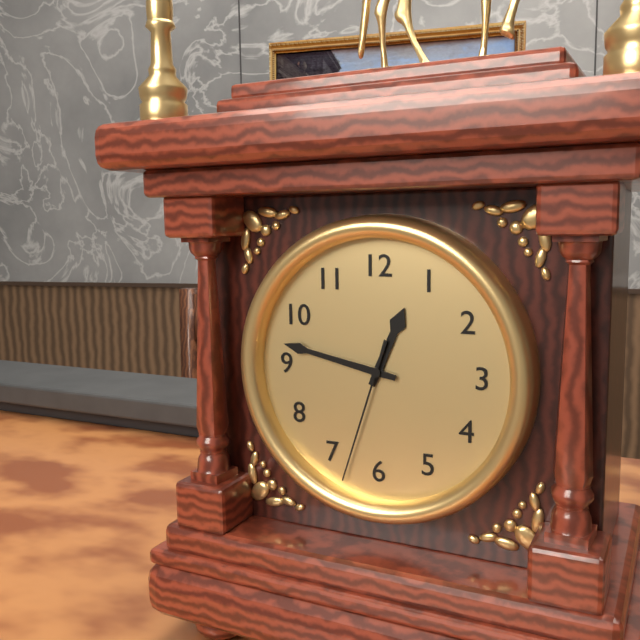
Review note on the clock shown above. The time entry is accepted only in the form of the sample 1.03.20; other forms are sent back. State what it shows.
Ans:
12.47.33
